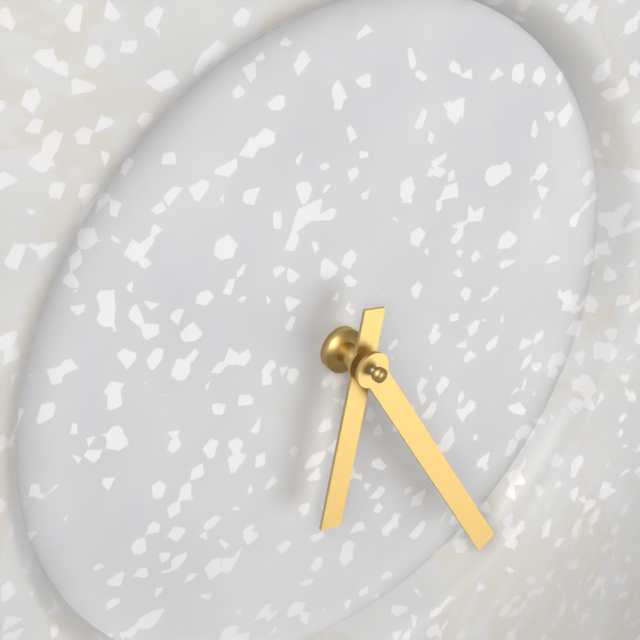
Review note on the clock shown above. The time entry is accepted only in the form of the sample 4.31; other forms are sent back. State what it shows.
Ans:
6.25
